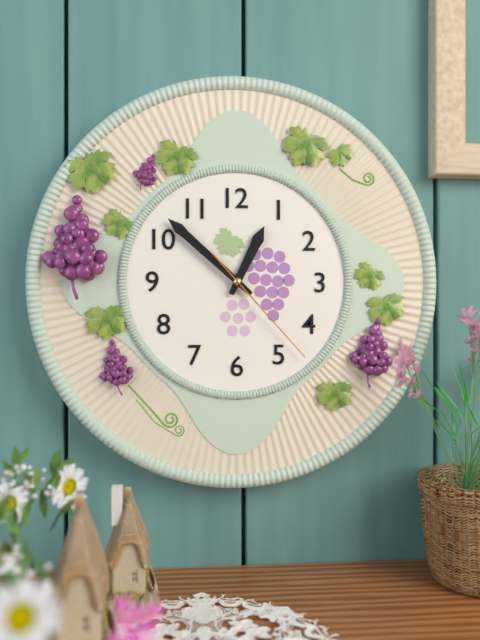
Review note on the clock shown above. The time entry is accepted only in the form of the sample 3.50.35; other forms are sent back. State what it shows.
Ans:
12.52.23
